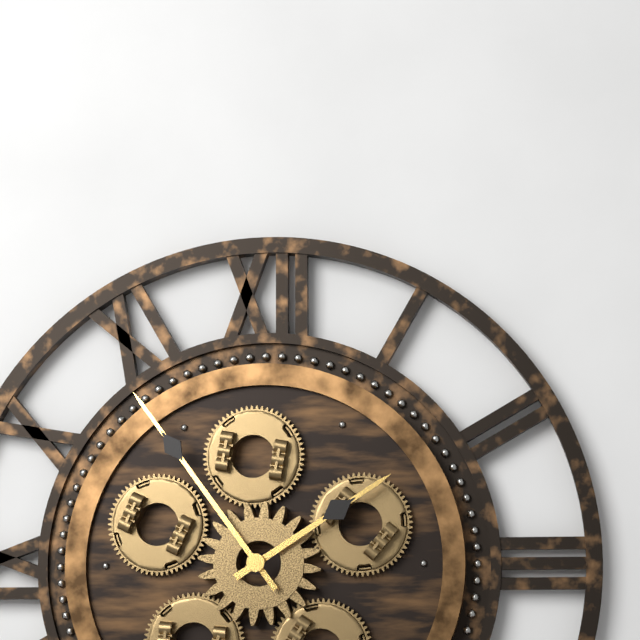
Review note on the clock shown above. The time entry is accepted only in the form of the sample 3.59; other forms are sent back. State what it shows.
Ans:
1.54
